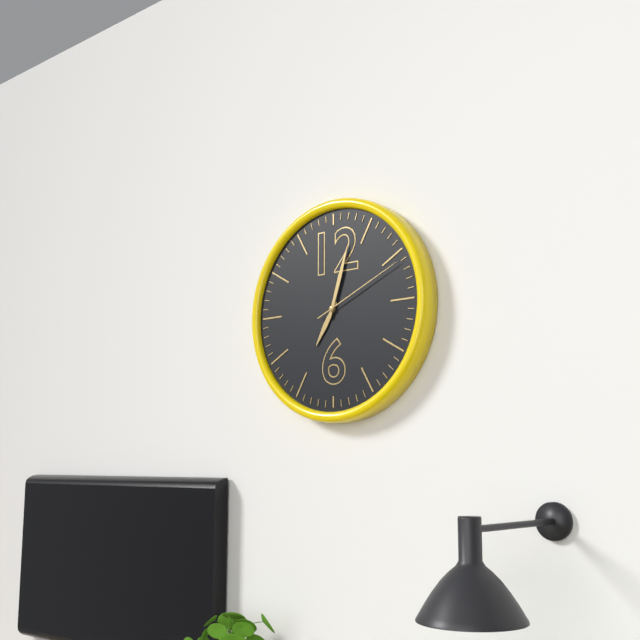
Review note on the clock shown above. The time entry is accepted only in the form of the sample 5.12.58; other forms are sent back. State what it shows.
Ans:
7.03.11
